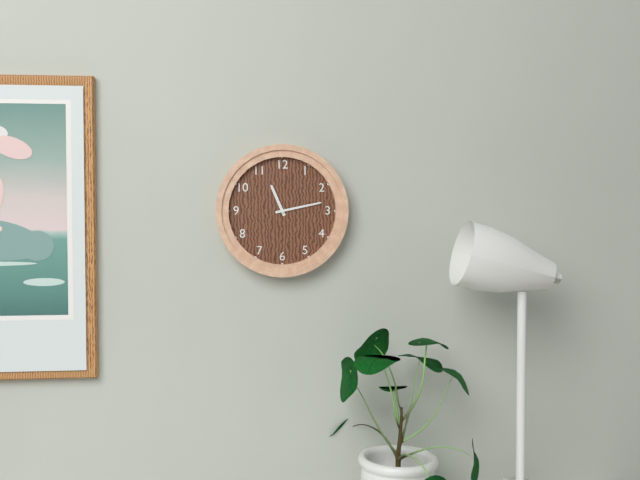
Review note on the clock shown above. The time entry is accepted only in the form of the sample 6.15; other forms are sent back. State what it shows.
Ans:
11.13
